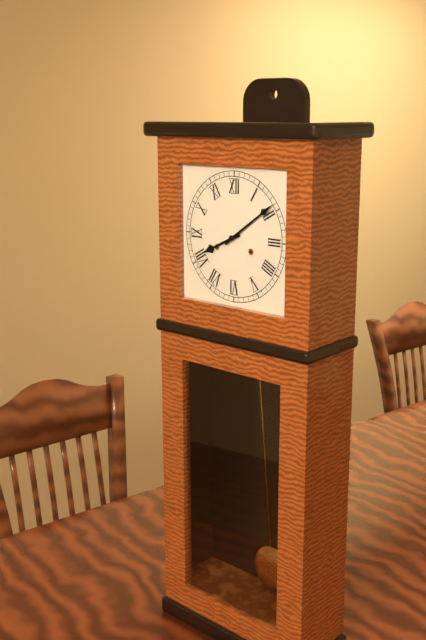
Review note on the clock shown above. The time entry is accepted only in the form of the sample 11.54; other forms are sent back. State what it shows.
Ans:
8.09
